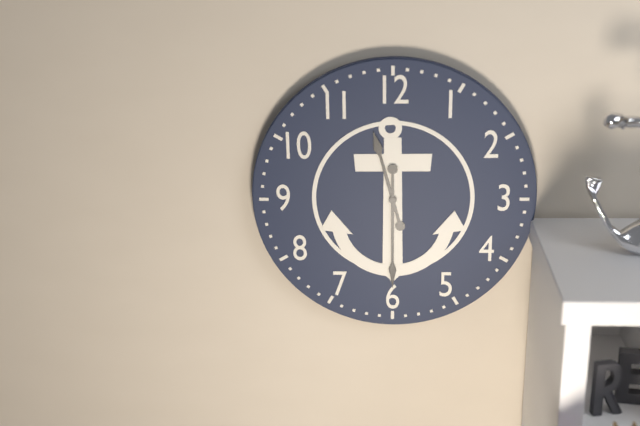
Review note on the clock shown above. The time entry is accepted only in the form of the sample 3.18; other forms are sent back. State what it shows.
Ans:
11.30
